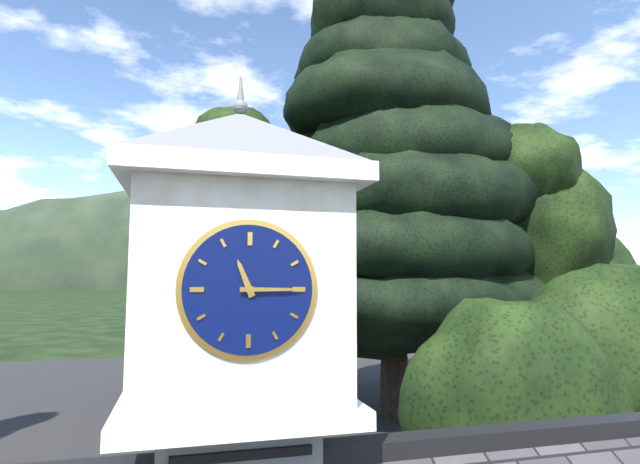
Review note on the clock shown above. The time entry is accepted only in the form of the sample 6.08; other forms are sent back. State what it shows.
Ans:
11.15
